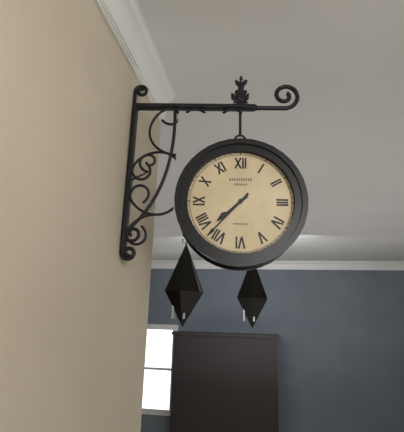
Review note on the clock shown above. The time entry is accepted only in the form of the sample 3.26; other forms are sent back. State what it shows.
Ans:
7.37
